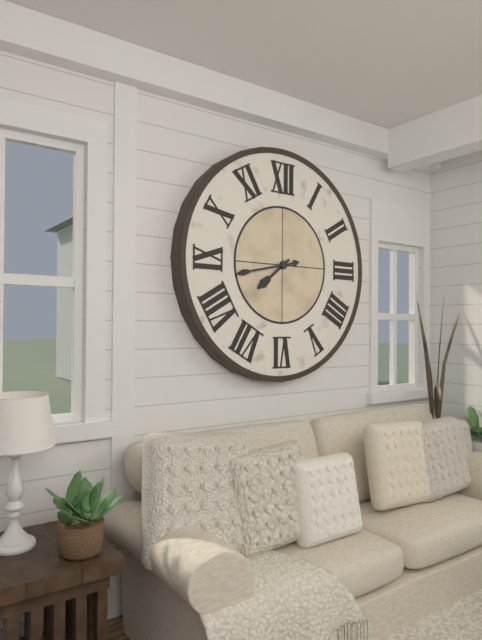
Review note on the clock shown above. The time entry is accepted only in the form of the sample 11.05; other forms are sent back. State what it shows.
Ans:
7.43
